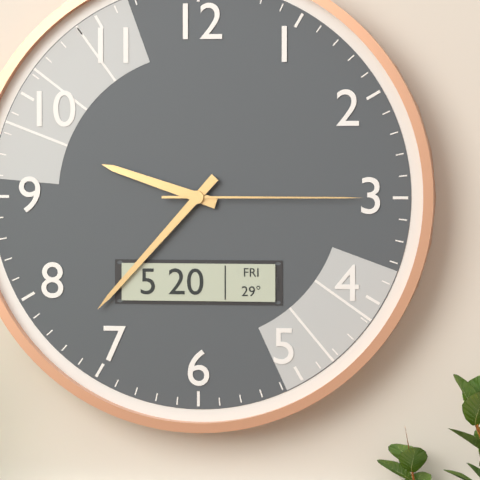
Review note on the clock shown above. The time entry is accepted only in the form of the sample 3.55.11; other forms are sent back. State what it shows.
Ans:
9.37.15
